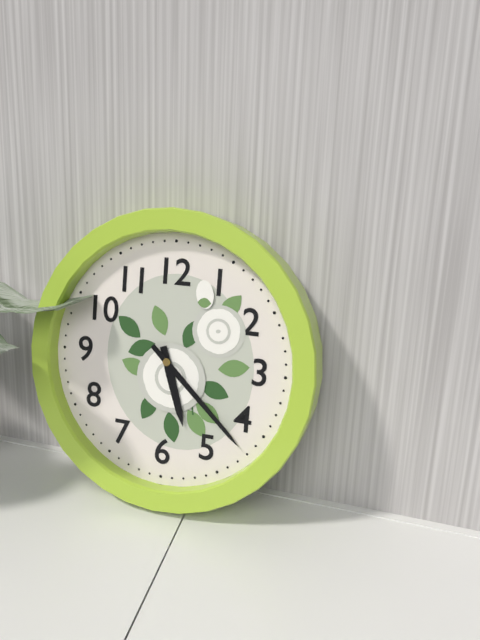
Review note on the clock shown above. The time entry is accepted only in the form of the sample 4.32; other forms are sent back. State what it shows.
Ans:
5.22
